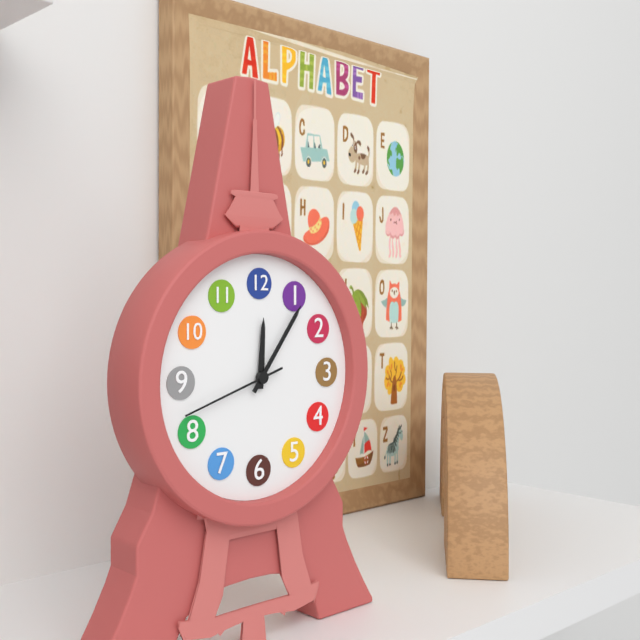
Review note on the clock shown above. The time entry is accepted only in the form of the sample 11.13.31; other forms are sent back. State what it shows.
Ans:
12.06.42
